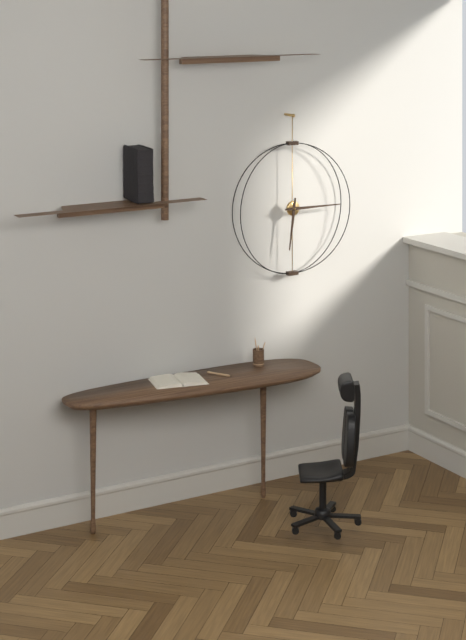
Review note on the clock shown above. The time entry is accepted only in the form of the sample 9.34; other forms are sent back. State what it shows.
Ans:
6.15
